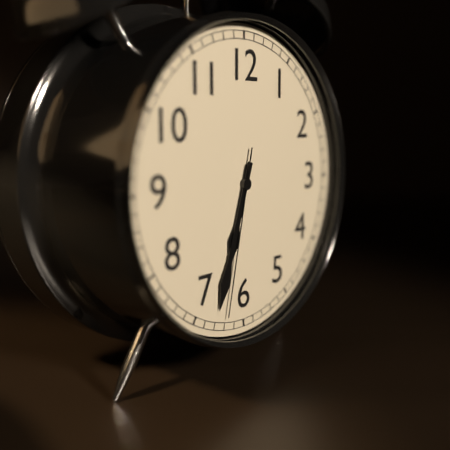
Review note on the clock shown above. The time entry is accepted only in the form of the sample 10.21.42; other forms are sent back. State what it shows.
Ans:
6.33.32
